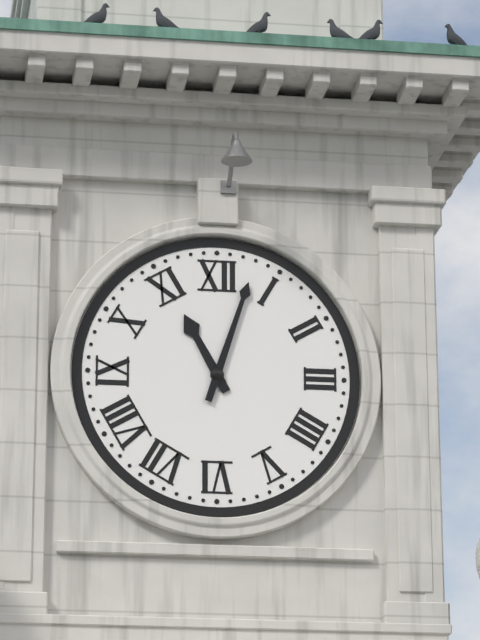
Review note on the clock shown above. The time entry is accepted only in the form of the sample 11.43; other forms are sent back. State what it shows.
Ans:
11.03
